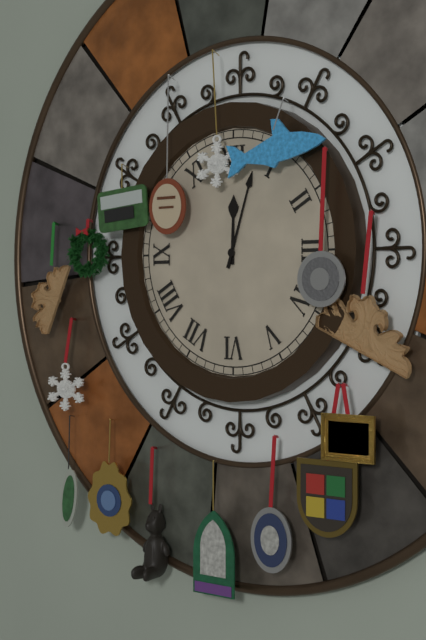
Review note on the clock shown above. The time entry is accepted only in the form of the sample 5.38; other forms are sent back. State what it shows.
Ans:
12.03
